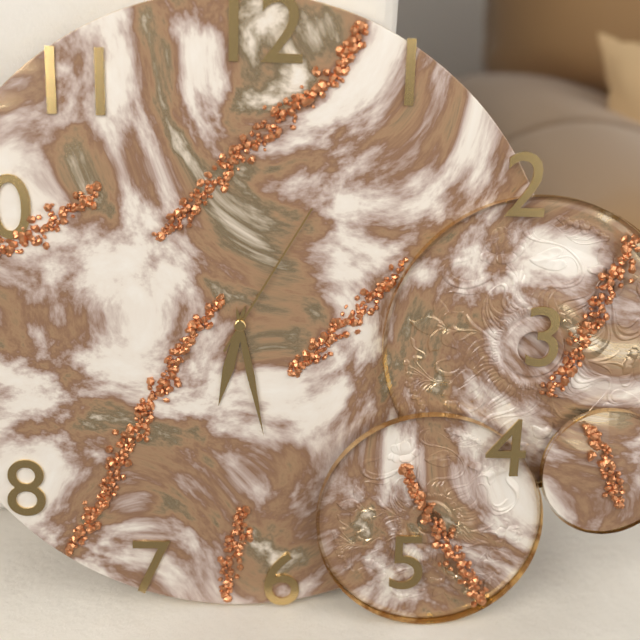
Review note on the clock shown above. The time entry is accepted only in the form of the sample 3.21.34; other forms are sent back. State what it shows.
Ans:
6.28.05
